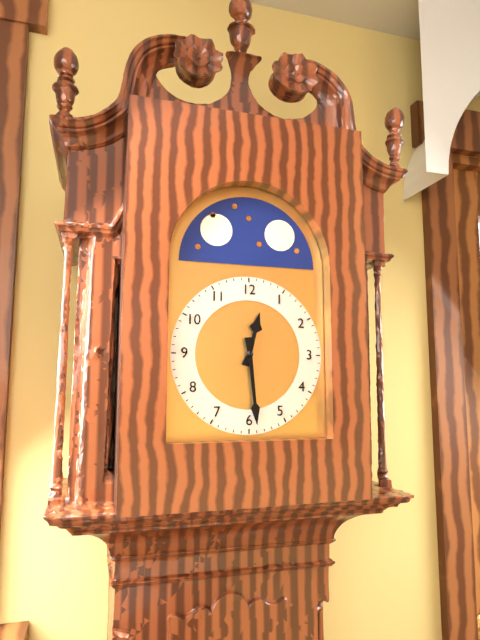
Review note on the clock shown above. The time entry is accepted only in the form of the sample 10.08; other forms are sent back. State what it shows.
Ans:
12.29
